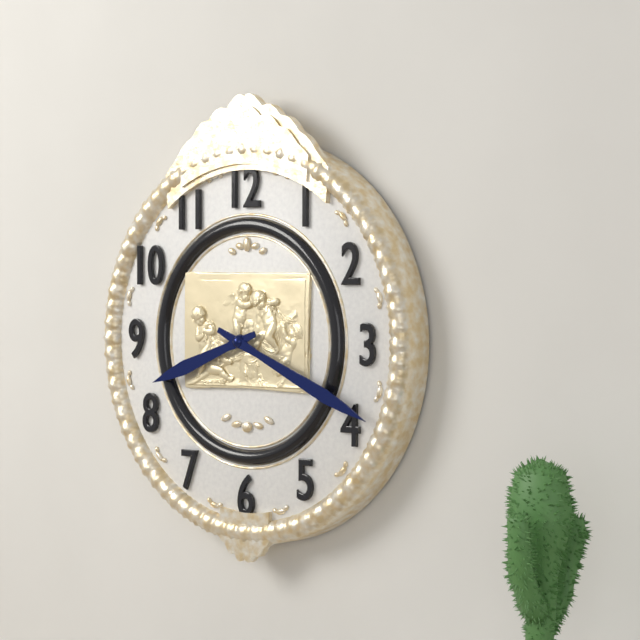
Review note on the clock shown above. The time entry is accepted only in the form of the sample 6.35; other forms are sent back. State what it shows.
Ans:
8.19
